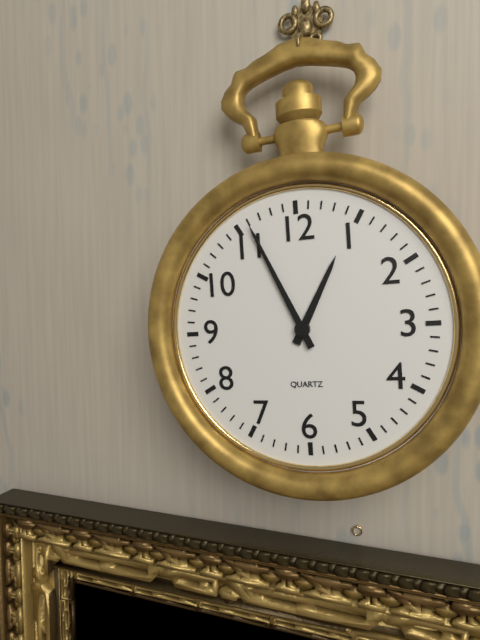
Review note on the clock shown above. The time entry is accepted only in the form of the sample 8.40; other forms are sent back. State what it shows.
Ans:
12.56
